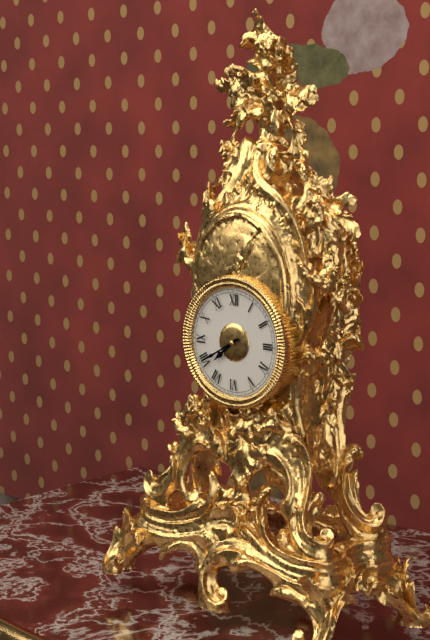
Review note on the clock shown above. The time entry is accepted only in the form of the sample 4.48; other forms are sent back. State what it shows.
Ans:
7.40
